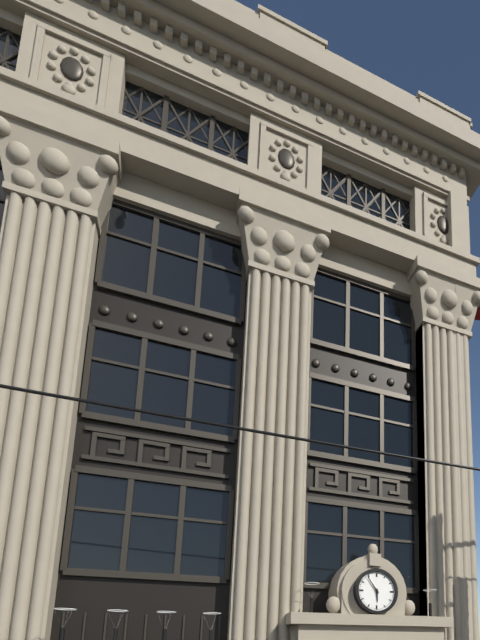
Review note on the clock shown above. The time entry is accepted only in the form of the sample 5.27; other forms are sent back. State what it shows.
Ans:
5.54
